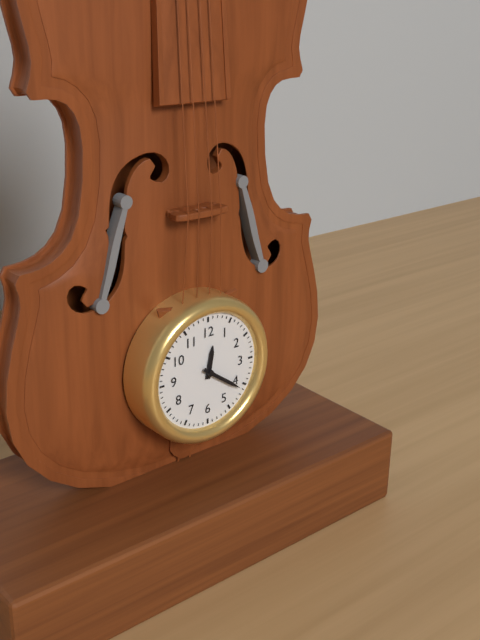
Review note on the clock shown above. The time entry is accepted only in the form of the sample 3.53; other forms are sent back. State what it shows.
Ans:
12.21
